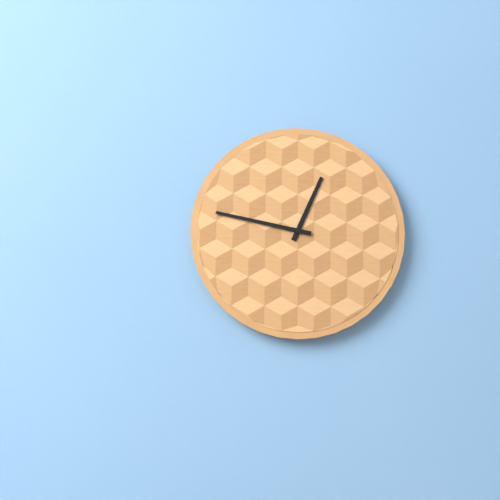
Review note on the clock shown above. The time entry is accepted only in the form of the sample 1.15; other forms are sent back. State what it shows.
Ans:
12.47
